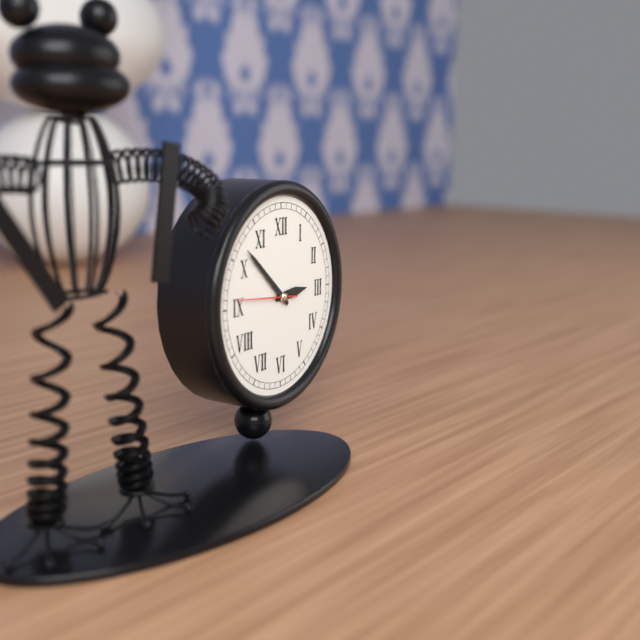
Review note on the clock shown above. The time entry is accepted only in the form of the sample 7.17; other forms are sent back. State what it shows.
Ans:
2.52
